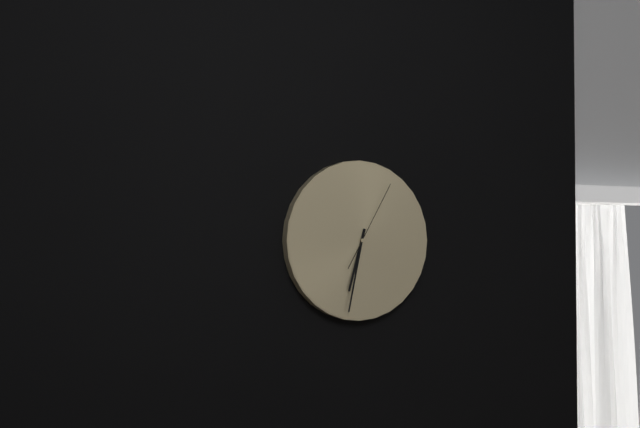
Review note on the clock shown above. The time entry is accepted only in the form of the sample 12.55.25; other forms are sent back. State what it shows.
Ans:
6.32.05
